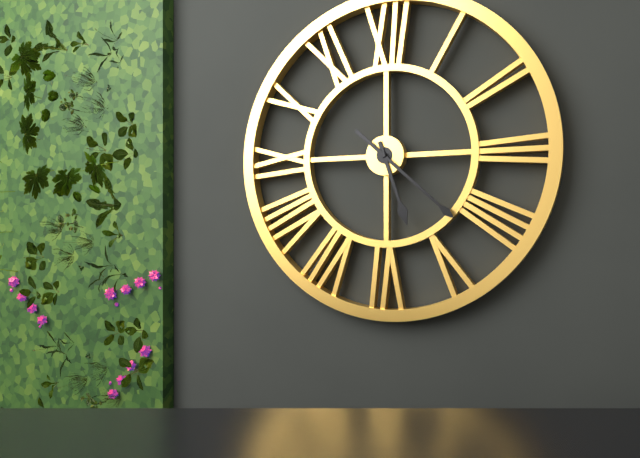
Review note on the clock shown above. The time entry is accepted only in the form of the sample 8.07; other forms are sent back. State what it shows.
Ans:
5.22
